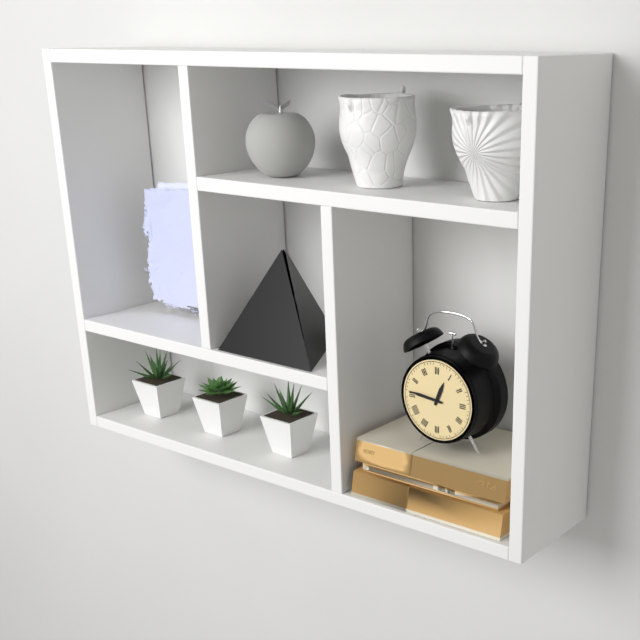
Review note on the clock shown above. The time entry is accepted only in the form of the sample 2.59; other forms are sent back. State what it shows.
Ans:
12.46
